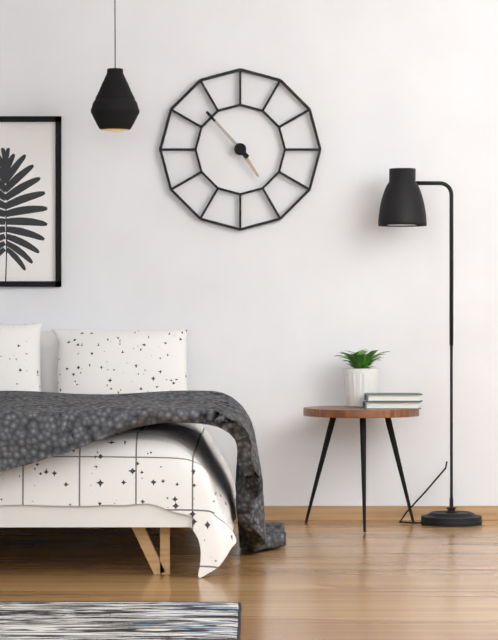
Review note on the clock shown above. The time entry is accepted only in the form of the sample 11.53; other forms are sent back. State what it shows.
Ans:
4.53
